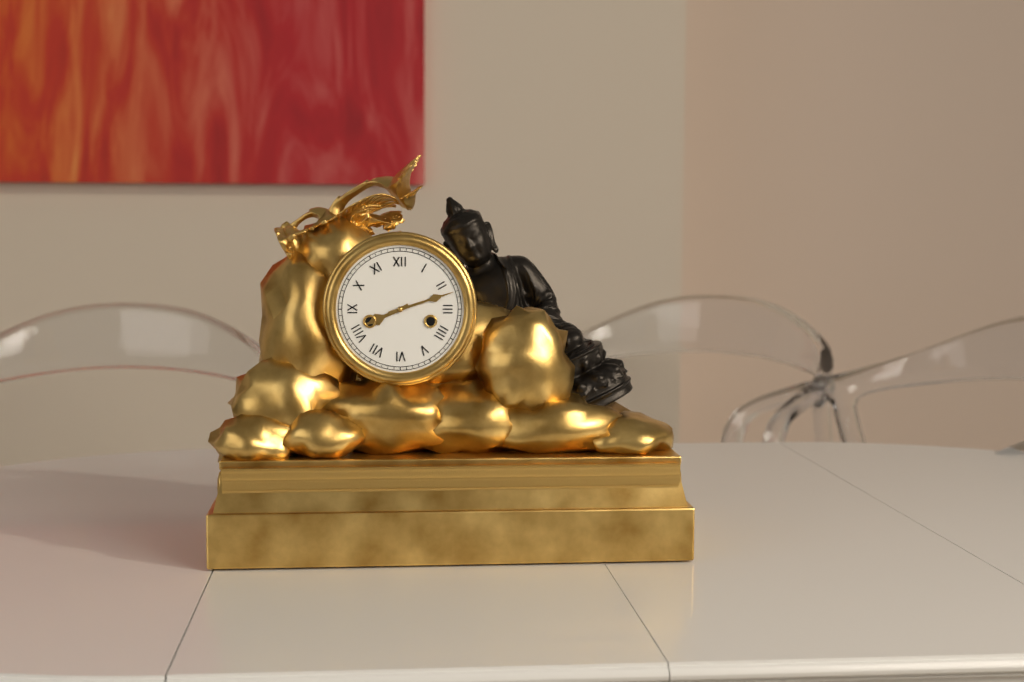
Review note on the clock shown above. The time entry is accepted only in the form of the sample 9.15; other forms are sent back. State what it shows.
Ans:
8.12
